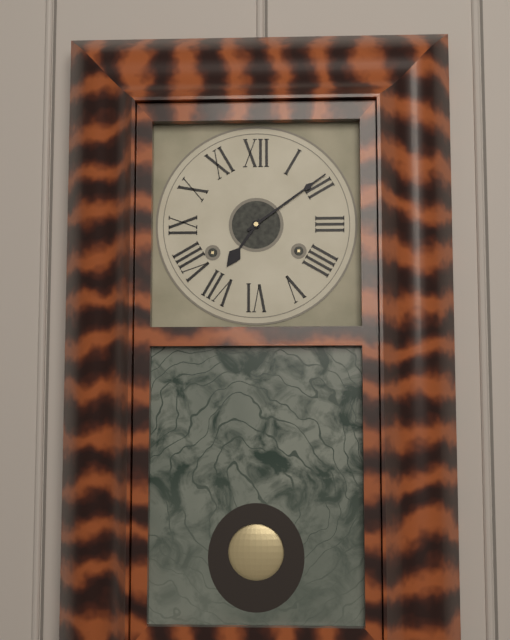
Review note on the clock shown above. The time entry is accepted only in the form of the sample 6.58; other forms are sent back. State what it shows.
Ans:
7.09
